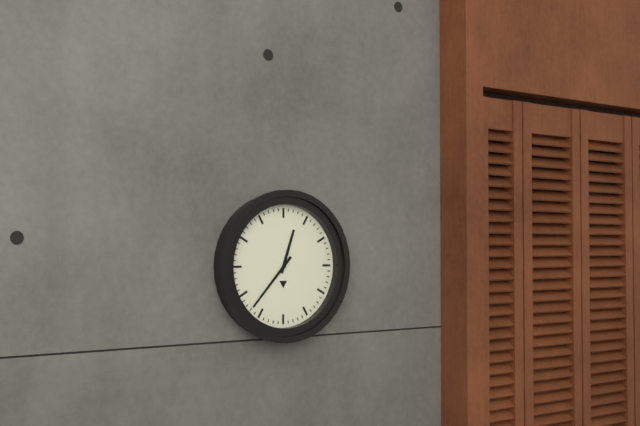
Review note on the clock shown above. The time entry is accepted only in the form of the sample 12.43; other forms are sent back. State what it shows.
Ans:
12.37
